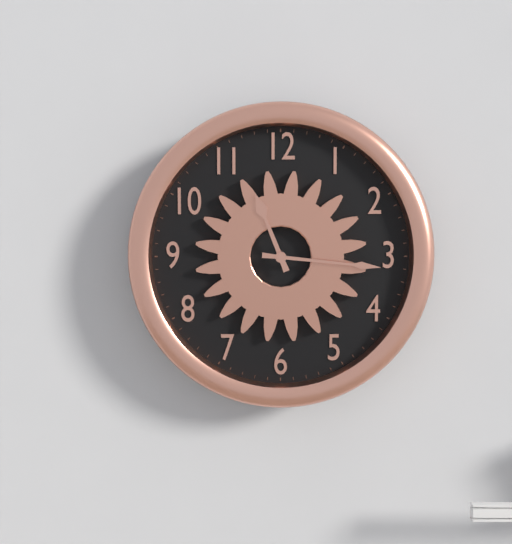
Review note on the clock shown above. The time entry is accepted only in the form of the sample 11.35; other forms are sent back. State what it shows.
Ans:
11.16
